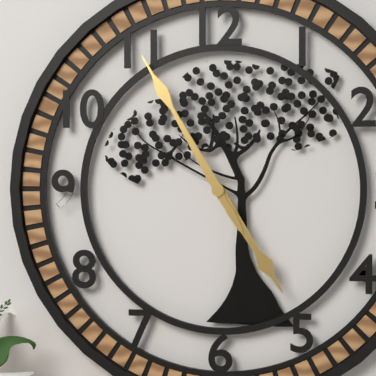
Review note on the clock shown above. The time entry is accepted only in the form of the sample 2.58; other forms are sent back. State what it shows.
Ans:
4.55
